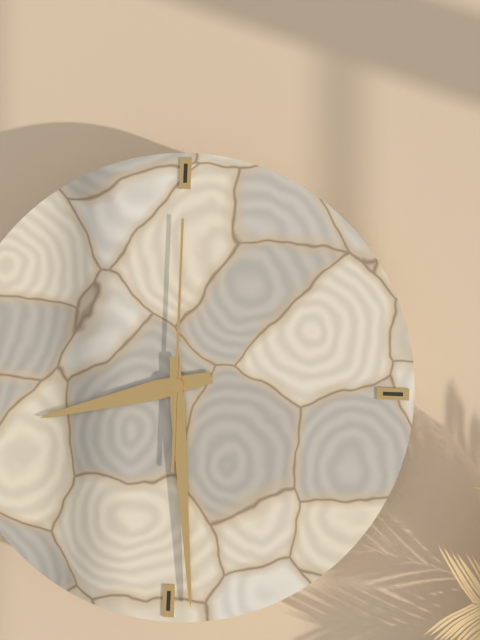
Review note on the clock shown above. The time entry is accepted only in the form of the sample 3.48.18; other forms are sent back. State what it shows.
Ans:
8.29.00
